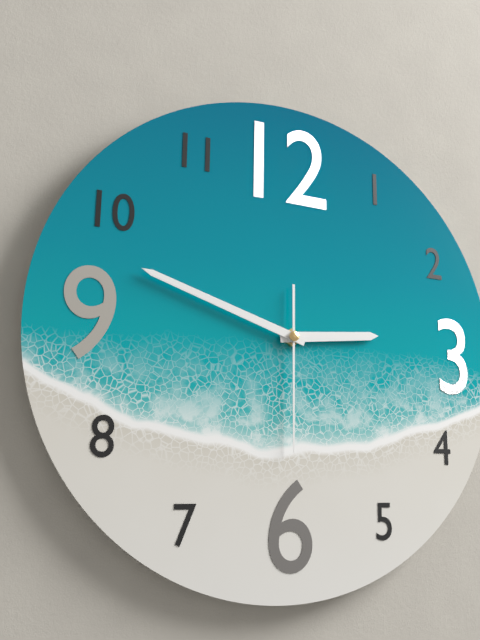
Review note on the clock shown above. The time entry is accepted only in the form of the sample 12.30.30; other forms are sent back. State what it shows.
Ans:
2.48.30
